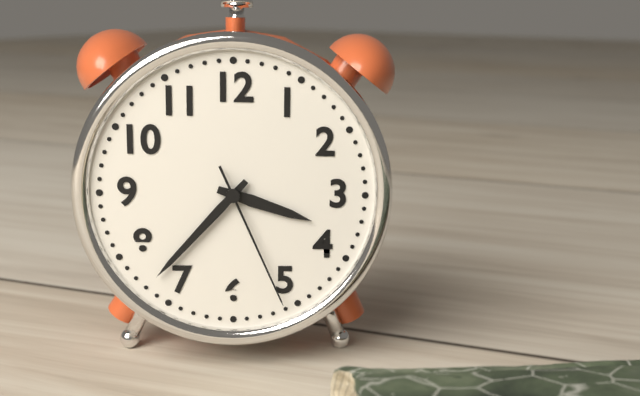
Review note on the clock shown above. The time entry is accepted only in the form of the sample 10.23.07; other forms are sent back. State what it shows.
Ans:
3.37.26
